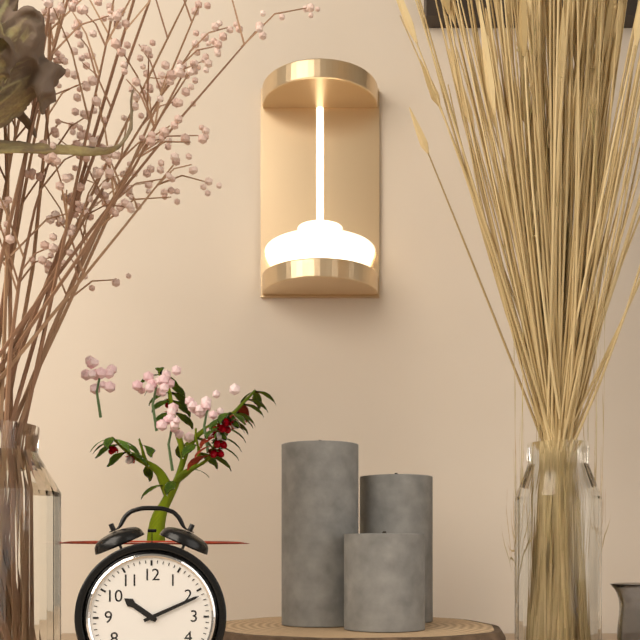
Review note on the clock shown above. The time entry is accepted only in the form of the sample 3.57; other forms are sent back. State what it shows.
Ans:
10.11
